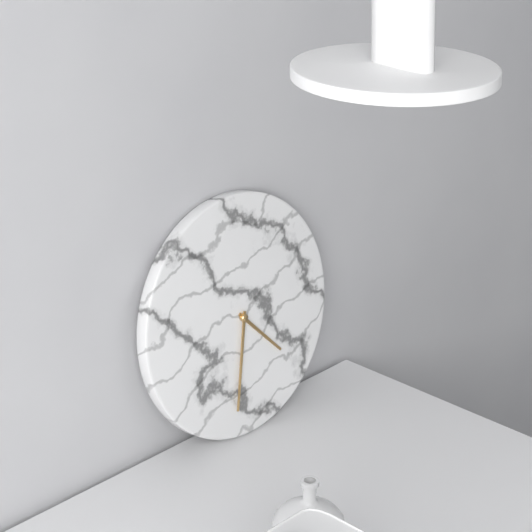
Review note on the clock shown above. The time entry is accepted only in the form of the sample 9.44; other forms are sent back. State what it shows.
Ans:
4.32
